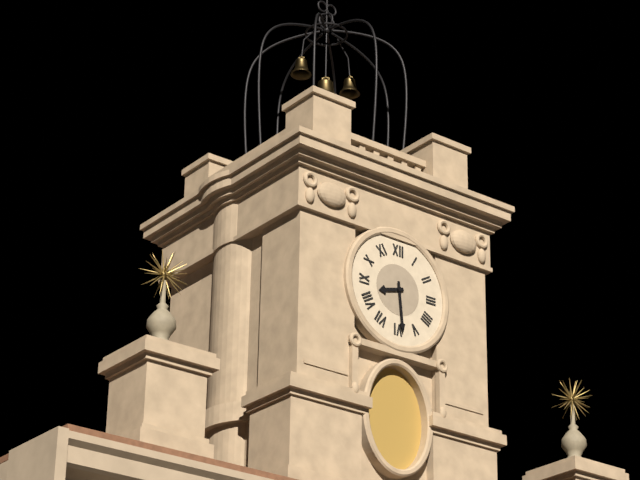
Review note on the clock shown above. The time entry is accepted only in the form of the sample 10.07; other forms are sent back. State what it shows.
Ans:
8.29
